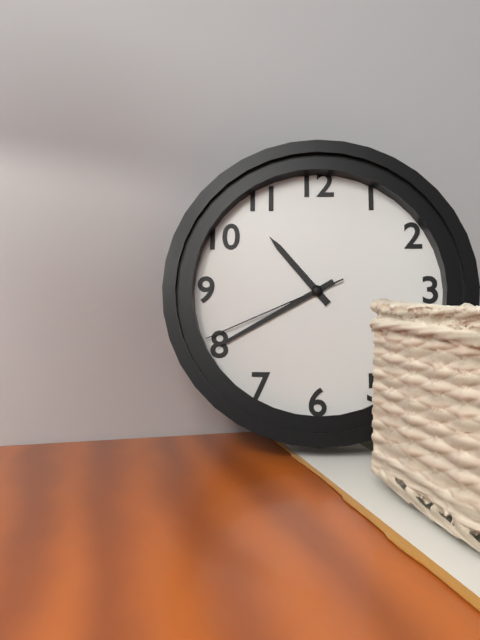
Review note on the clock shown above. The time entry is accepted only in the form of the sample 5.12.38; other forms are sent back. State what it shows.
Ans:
10.40.41
